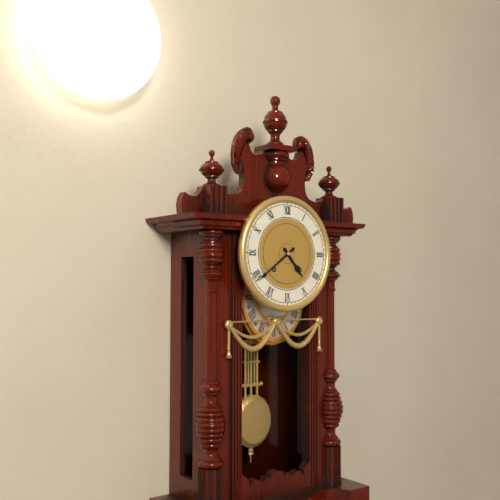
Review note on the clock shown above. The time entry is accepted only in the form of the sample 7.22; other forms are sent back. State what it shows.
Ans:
4.39
